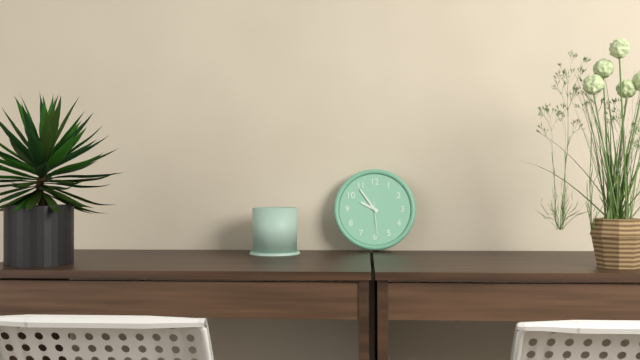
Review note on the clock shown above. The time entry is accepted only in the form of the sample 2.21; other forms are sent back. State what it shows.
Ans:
9.54
